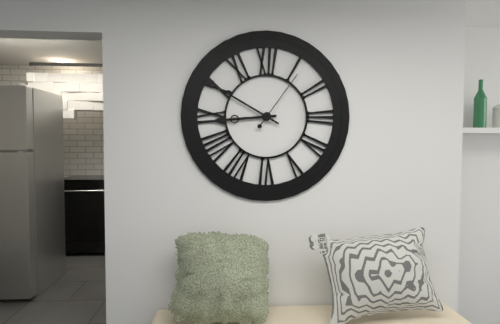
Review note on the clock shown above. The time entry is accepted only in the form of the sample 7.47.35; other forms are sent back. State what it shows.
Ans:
8.50.06
